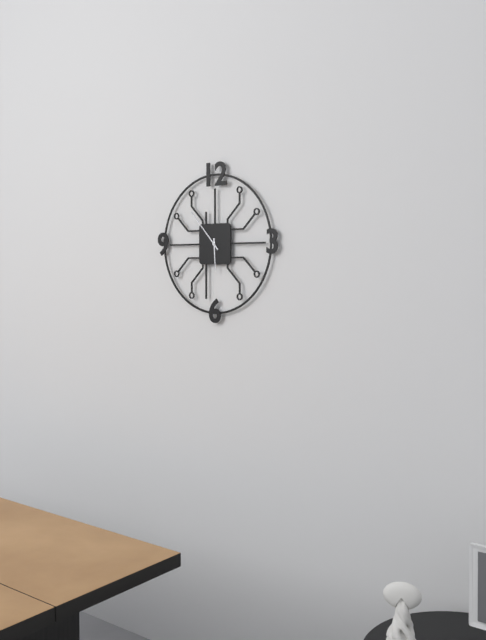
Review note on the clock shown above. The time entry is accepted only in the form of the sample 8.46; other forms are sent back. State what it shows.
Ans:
5.53
